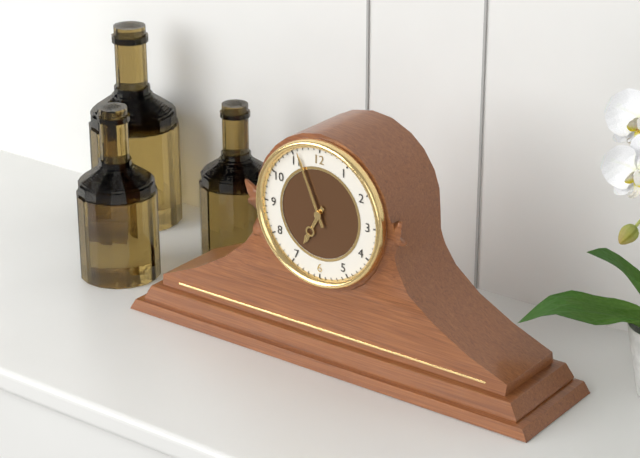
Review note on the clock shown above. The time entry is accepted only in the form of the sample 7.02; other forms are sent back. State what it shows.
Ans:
6.56
